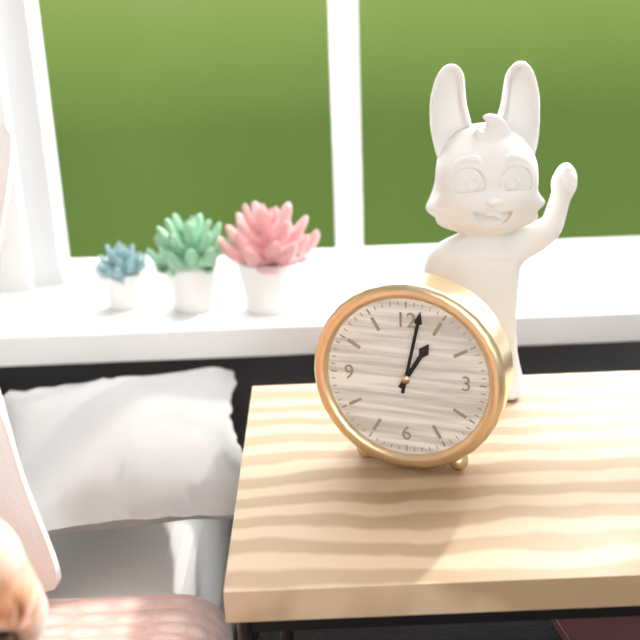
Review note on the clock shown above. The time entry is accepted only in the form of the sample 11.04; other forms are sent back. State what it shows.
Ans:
1.02
